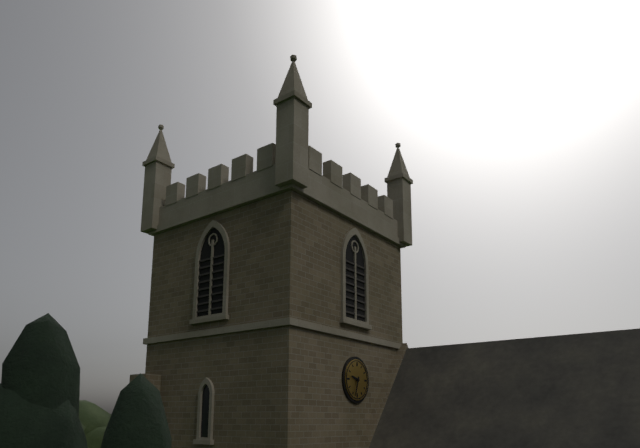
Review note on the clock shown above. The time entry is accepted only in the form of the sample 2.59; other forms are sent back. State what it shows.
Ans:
9.33
